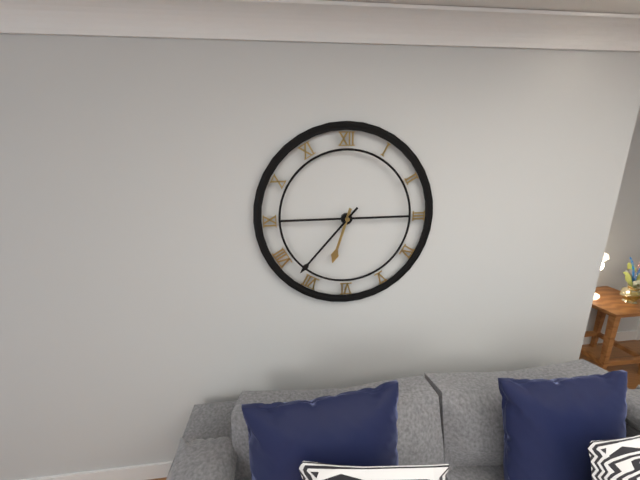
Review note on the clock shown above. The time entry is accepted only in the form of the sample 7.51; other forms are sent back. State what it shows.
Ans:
6.37
